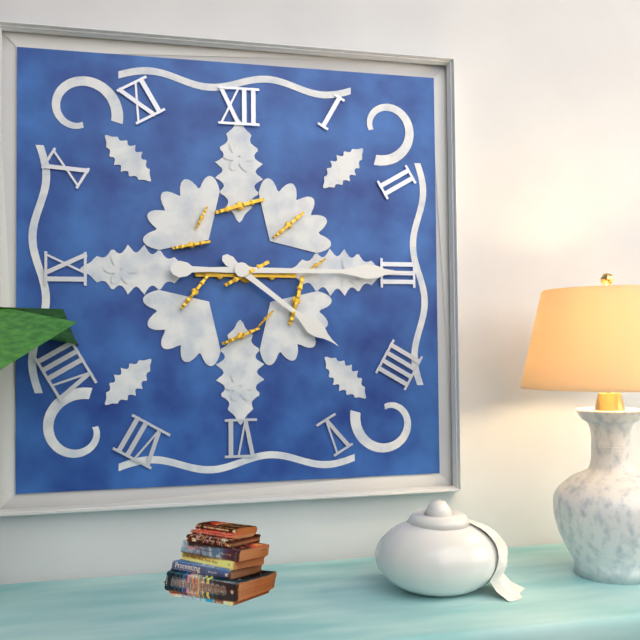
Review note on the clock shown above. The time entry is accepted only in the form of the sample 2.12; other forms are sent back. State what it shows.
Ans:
4.15
